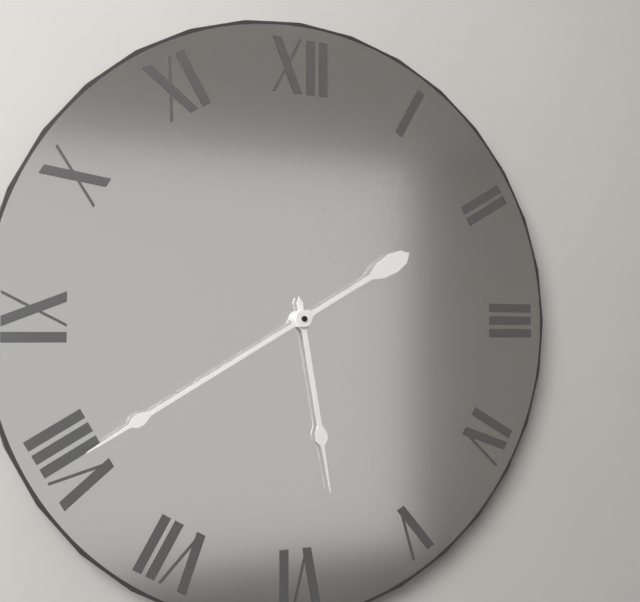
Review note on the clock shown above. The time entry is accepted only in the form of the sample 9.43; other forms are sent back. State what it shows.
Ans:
5.40
